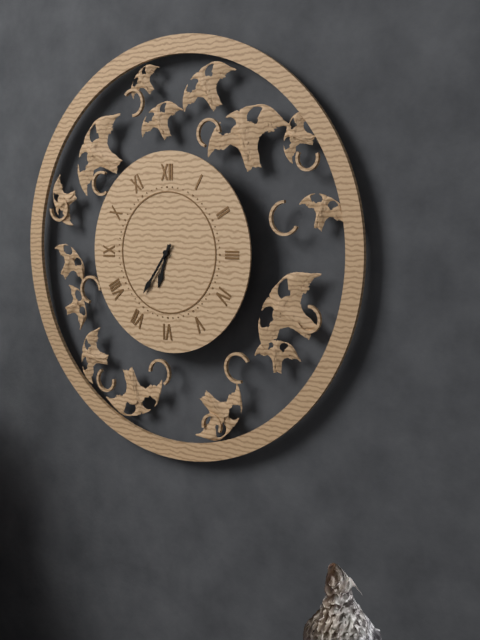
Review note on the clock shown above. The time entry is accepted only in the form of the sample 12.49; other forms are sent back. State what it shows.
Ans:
6.36
